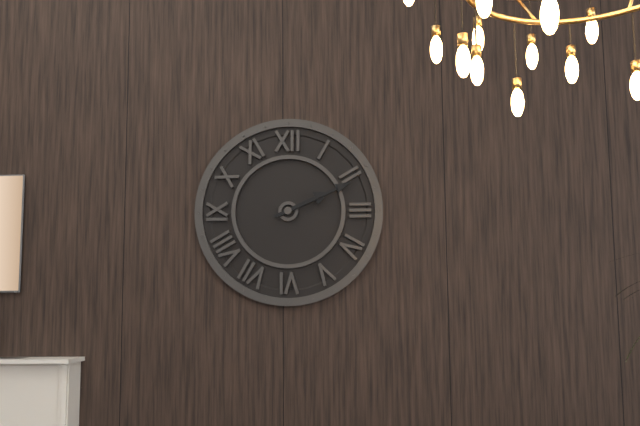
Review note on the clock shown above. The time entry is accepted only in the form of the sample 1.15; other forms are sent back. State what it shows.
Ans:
2.11
